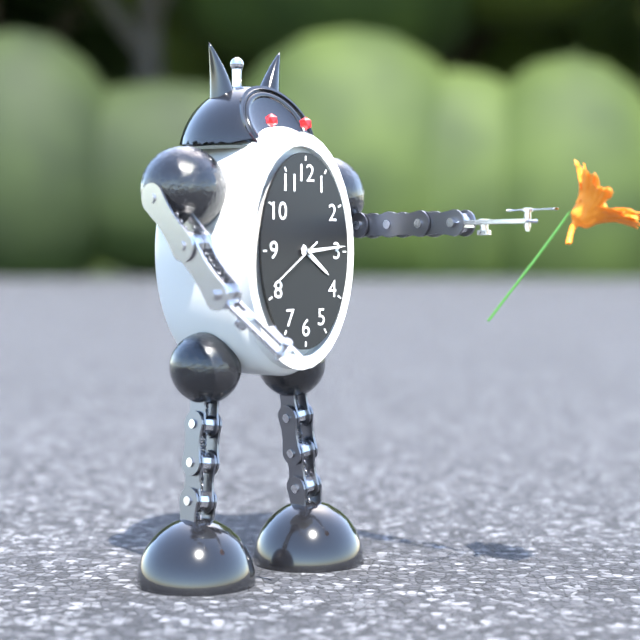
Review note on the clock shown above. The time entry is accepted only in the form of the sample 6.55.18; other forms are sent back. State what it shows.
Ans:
4.14.39
